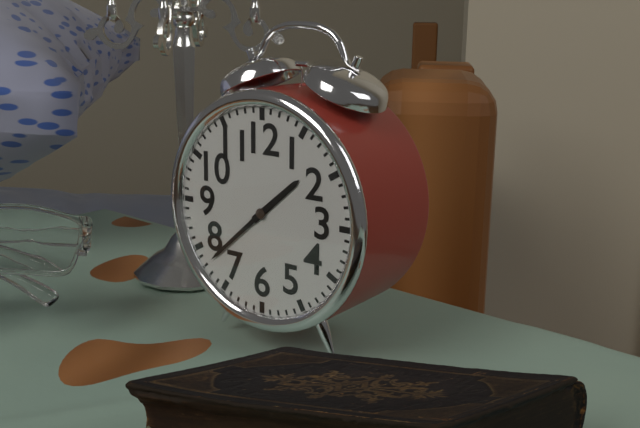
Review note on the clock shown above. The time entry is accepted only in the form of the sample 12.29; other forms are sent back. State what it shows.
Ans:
1.38
